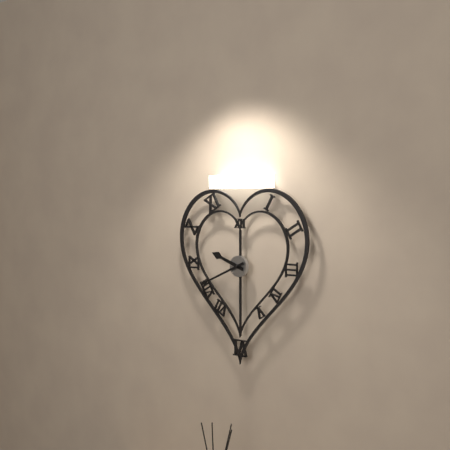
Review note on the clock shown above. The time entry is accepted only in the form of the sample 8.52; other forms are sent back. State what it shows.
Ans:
9.41
